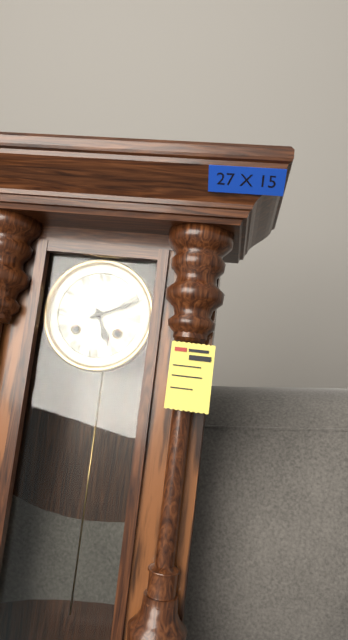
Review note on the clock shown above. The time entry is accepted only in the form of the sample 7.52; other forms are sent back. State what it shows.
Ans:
5.11
